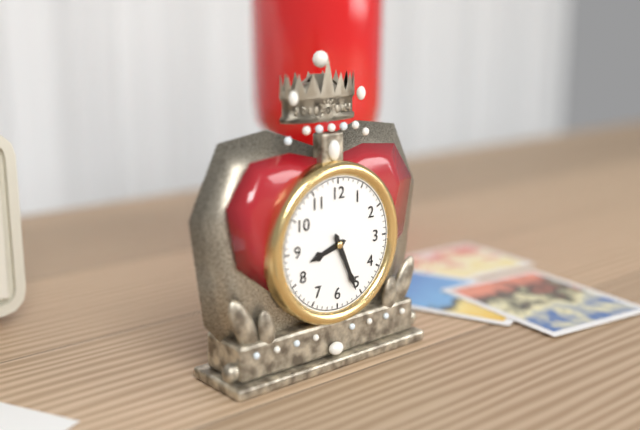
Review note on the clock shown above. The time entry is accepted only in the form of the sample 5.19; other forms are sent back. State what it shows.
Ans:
8.26
